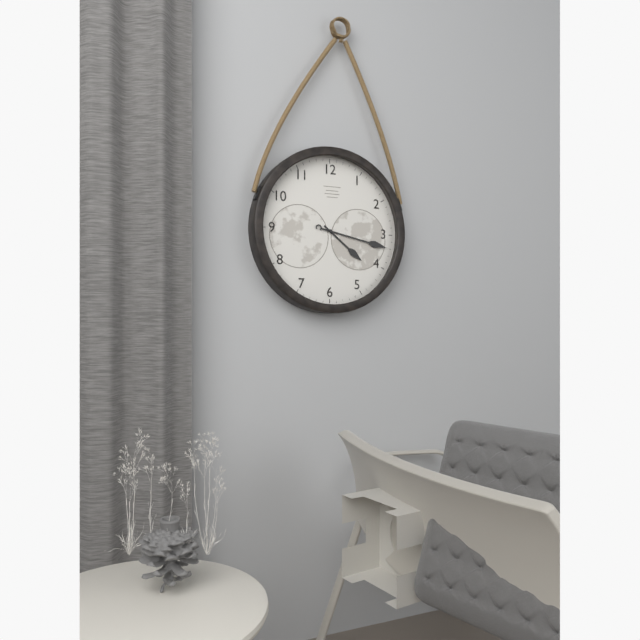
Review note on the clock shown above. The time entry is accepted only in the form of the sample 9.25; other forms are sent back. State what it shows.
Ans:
4.17
